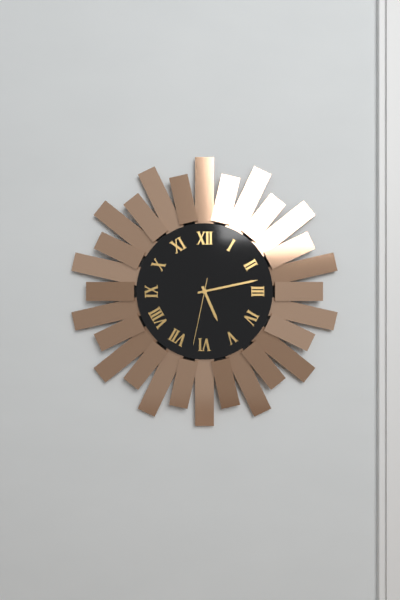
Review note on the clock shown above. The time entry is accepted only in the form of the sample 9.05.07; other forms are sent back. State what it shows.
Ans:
5.13.32
